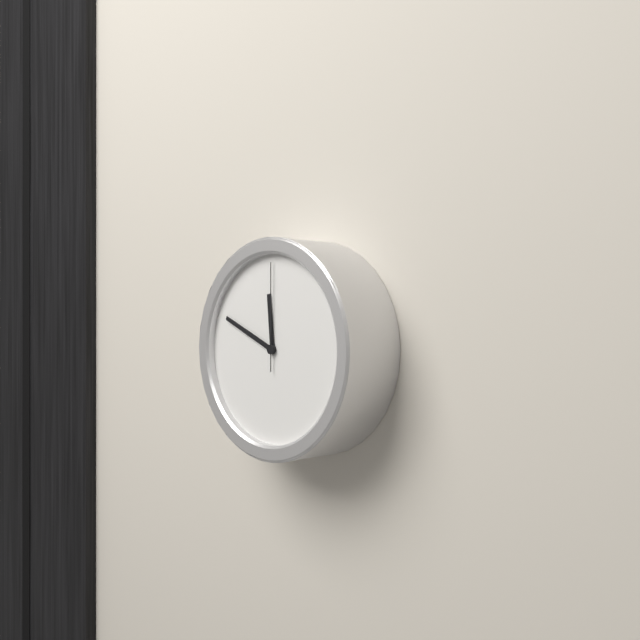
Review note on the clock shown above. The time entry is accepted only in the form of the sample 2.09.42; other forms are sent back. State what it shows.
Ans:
11.49.00
